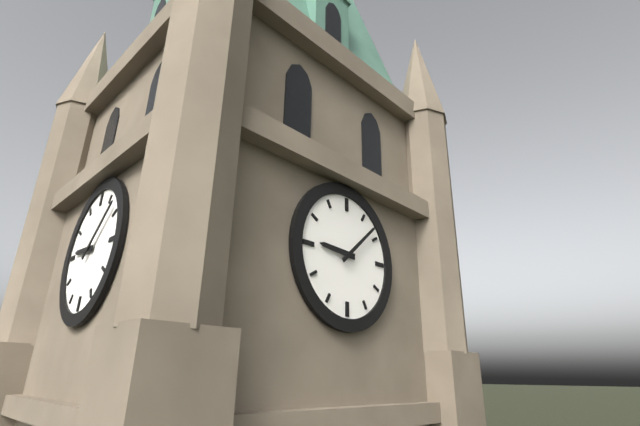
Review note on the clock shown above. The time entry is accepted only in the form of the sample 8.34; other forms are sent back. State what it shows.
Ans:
9.08
